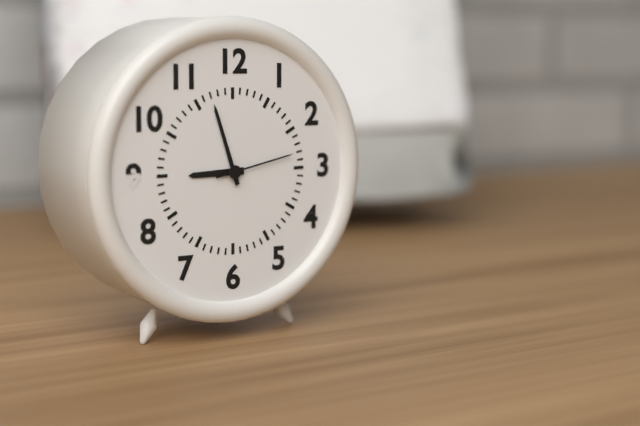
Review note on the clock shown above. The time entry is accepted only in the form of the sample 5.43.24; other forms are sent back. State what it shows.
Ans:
8.57.13
